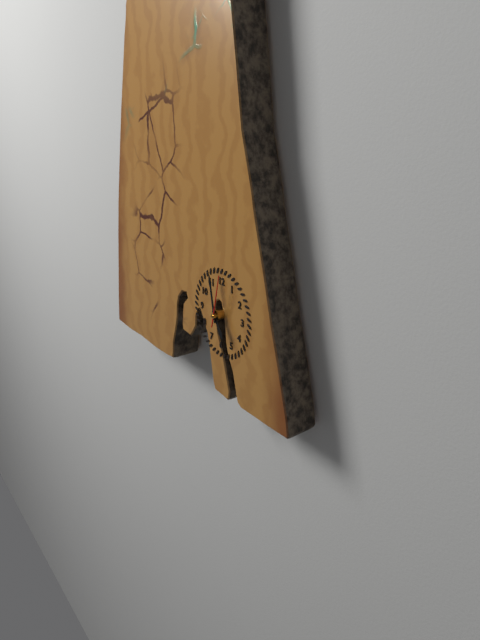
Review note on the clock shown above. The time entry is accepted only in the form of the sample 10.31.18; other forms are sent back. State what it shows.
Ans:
4.58.02
